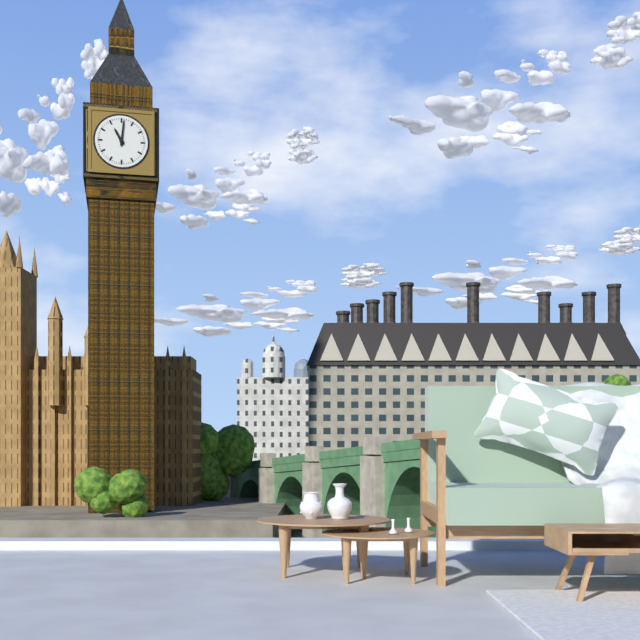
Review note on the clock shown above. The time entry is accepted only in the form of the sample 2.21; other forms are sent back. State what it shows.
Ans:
11.01
